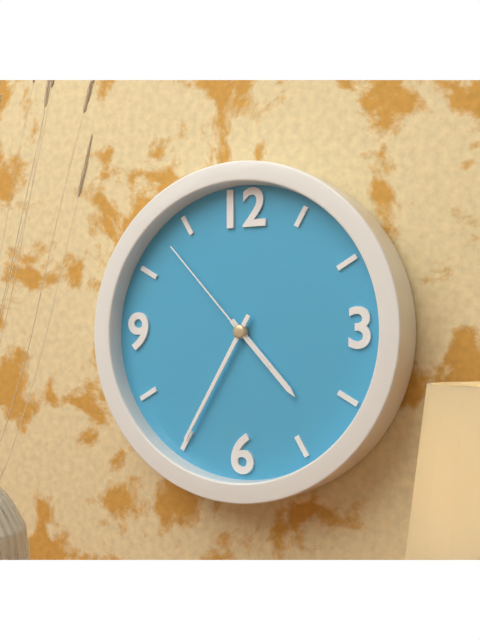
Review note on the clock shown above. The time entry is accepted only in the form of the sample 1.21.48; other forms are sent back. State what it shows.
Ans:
4.35.53
